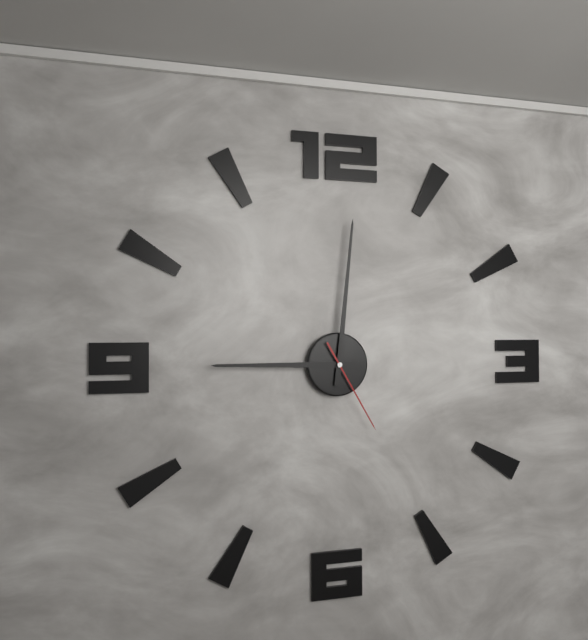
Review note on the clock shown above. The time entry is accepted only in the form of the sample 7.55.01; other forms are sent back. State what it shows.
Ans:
9.01.25
